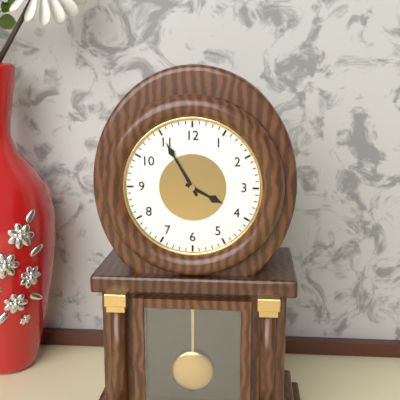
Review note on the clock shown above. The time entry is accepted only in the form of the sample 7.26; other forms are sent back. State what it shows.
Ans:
3.55
